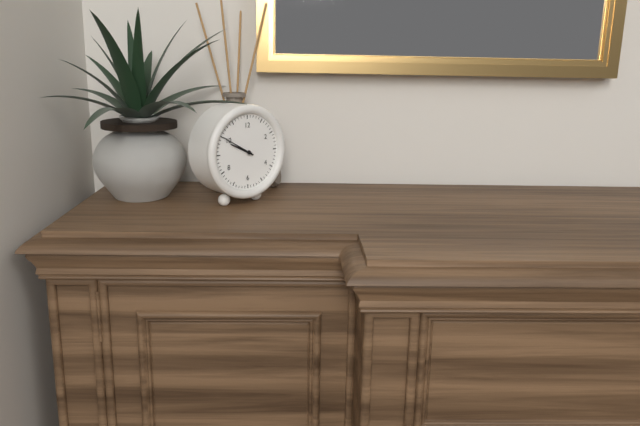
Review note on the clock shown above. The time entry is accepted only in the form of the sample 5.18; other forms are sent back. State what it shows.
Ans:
9.50
